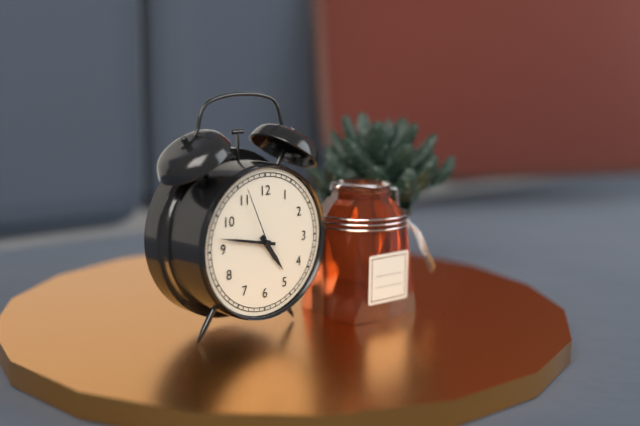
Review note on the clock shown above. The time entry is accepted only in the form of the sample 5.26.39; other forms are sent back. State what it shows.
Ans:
4.47.56
